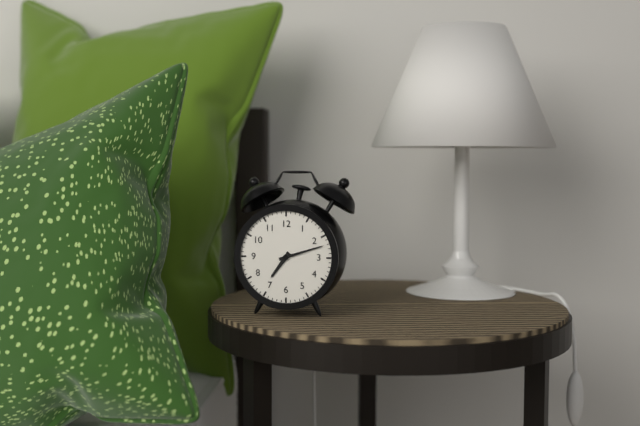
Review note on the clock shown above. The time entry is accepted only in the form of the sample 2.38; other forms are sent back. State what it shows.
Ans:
7.12
